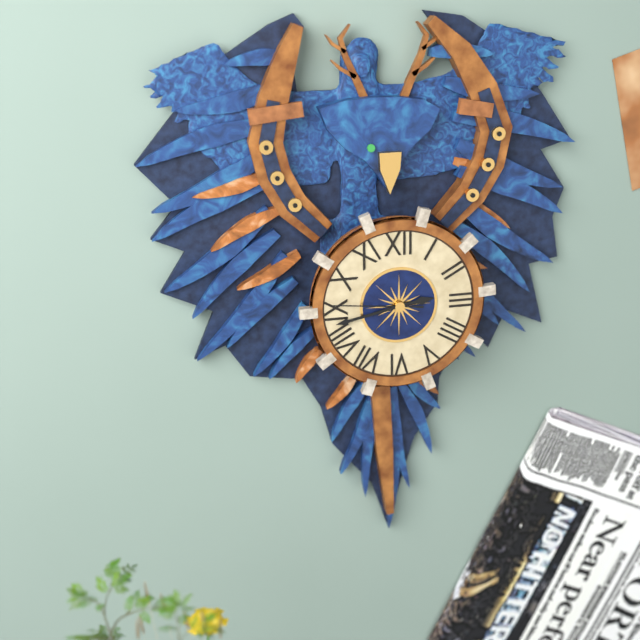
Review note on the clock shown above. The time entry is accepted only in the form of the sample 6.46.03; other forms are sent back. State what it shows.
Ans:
2.43.46
